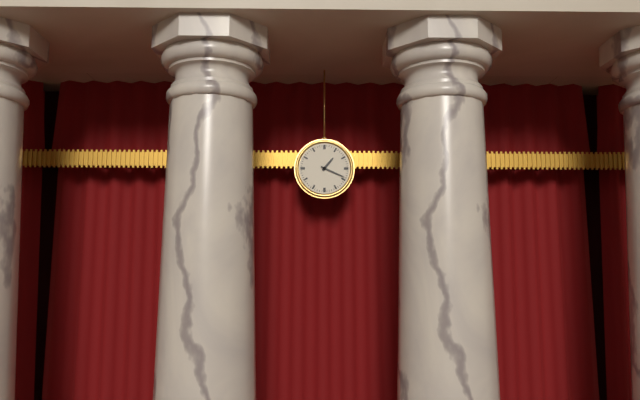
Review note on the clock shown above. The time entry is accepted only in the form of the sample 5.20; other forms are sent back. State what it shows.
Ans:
1.19
